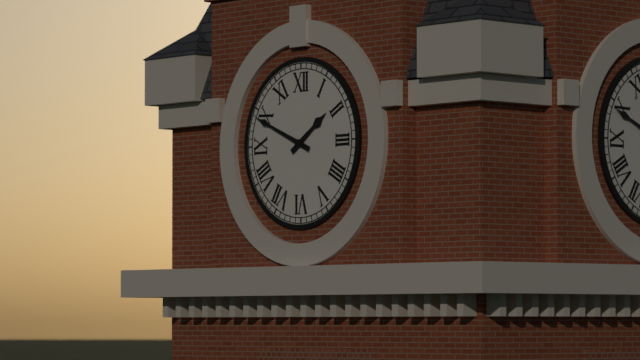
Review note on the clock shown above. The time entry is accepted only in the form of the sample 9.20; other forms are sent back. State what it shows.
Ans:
1.49
